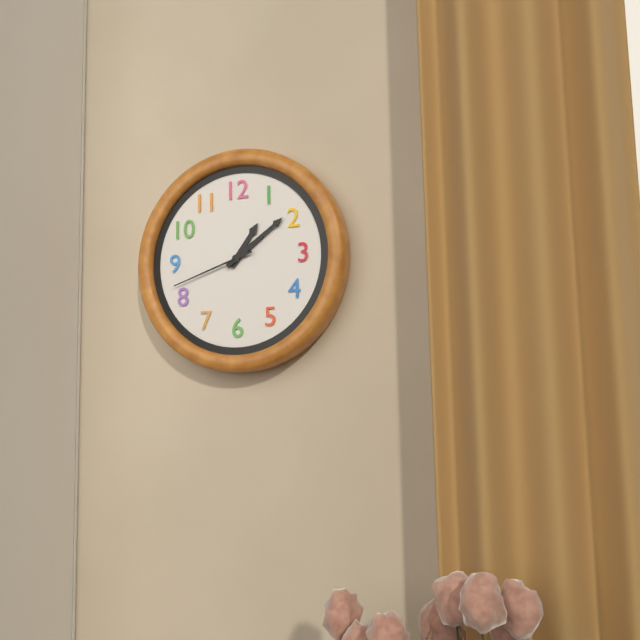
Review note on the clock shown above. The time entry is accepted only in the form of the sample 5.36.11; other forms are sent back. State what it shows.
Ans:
1.09.42
